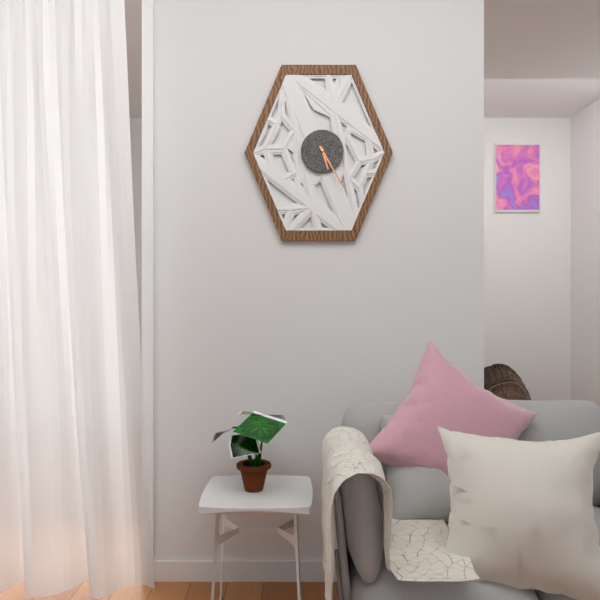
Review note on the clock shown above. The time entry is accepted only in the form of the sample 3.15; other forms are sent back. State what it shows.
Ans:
5.25
